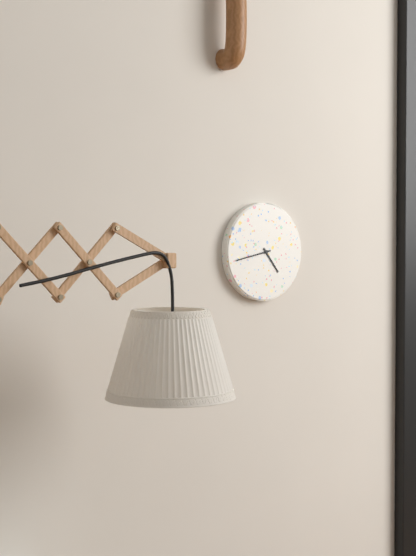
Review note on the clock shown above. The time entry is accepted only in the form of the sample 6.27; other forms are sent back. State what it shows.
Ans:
4.43
